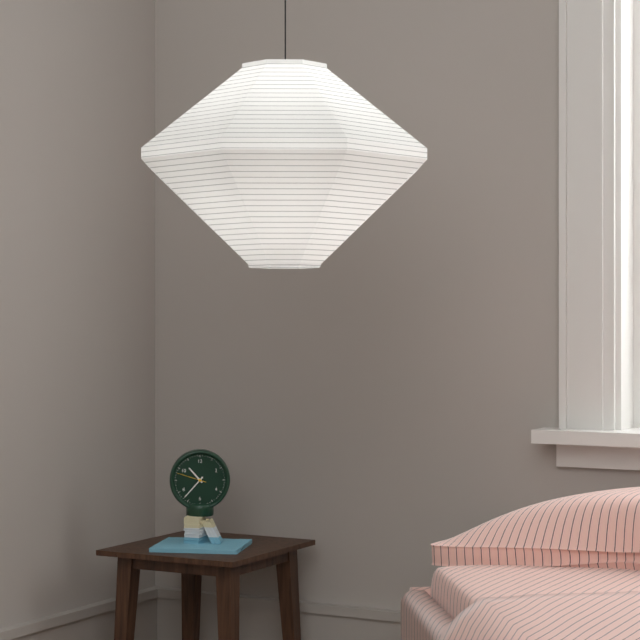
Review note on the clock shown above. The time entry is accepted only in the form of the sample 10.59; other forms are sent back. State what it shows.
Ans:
10.37
